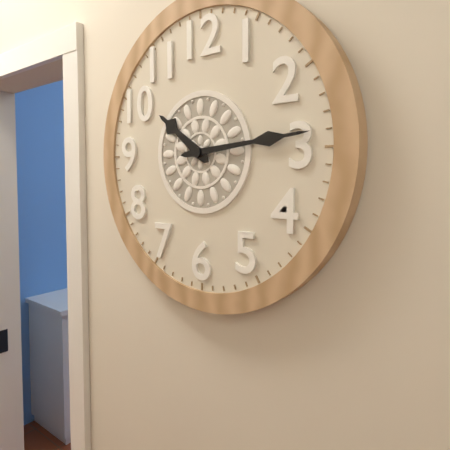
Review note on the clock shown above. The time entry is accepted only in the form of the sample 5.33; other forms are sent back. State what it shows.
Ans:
10.14
